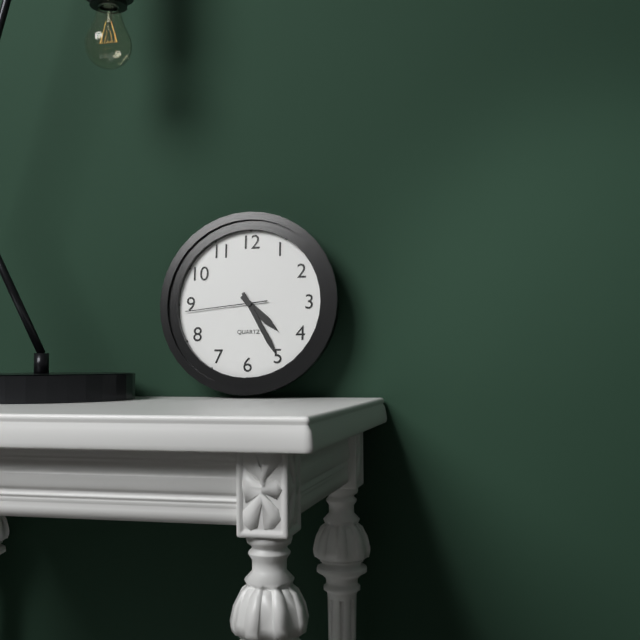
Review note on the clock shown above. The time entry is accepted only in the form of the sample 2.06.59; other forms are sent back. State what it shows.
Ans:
4.25.44
